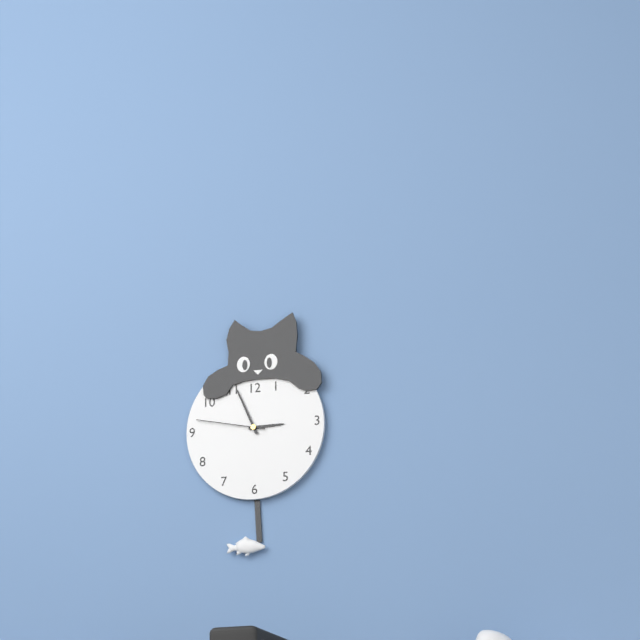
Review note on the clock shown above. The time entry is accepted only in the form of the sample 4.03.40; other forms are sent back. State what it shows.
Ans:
2.56.47
